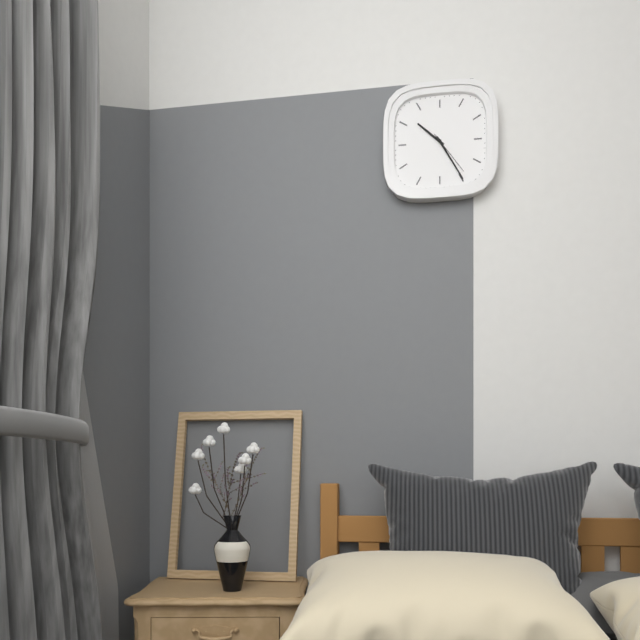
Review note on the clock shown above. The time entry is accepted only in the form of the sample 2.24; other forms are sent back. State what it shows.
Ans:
10.25
